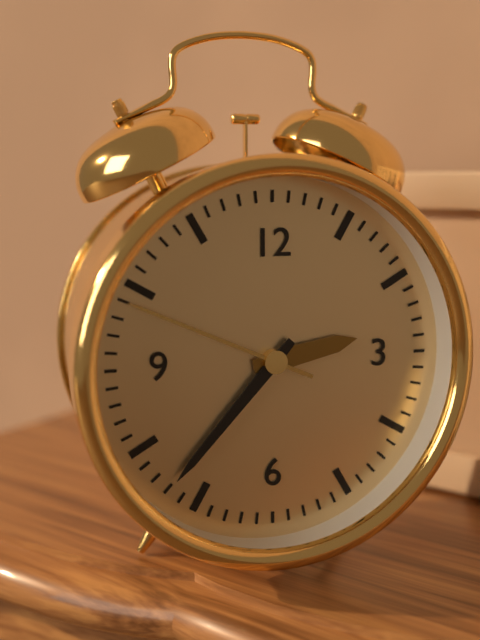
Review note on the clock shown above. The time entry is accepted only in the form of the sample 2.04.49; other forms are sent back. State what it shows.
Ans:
2.37.49
